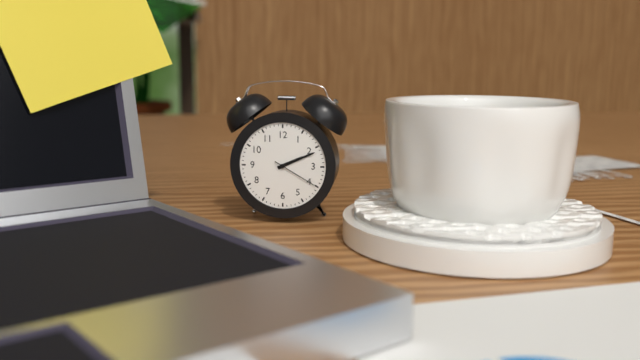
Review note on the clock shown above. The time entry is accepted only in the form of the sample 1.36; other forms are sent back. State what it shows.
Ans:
2.11
